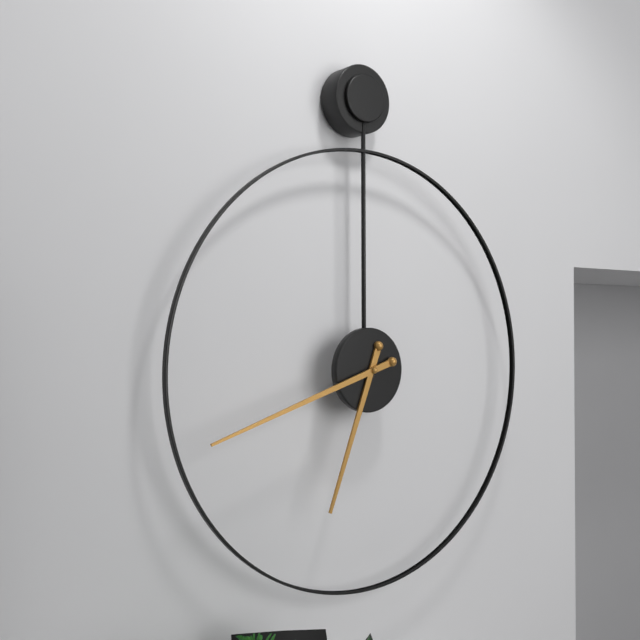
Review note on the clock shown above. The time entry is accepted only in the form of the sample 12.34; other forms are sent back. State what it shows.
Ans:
6.42
